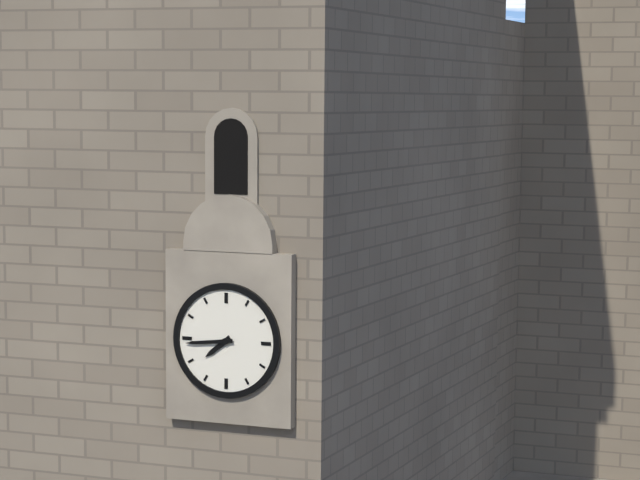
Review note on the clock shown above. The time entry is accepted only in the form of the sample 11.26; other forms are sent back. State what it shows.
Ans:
7.44
